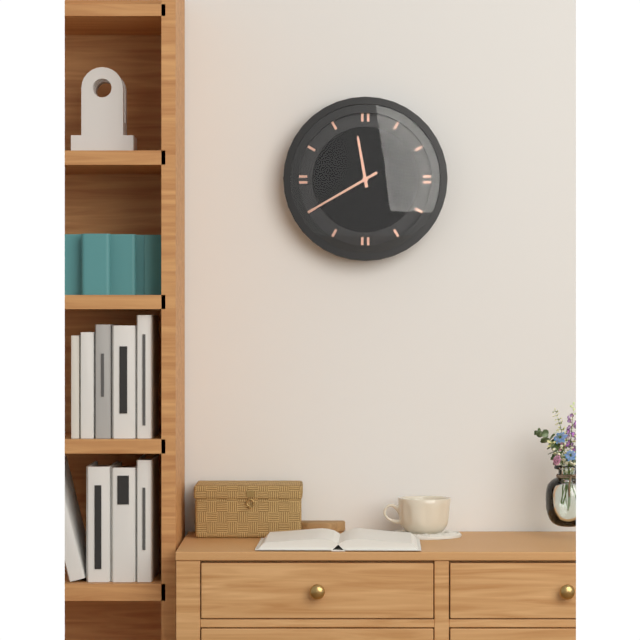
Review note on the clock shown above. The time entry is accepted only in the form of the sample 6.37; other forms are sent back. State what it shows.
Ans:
11.40
